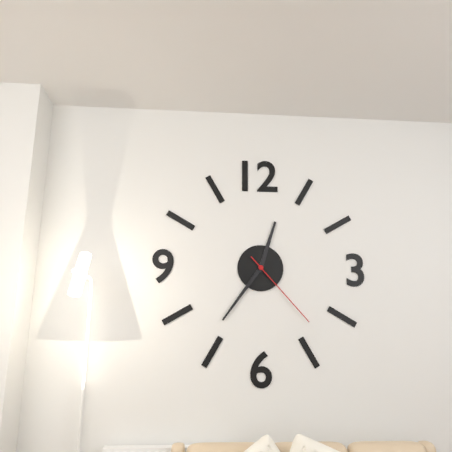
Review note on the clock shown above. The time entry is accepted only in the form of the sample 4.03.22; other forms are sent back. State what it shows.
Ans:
12.36.23
